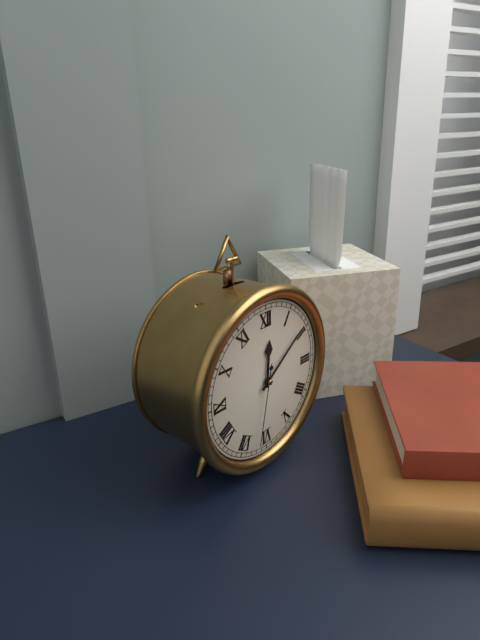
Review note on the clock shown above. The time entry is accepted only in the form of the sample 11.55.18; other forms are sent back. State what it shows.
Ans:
12.09.32
